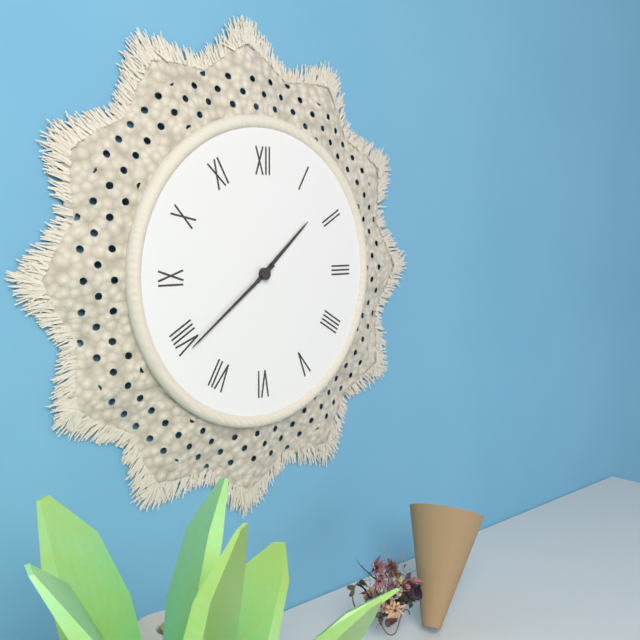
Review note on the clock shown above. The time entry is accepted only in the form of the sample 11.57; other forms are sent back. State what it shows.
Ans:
1.39
